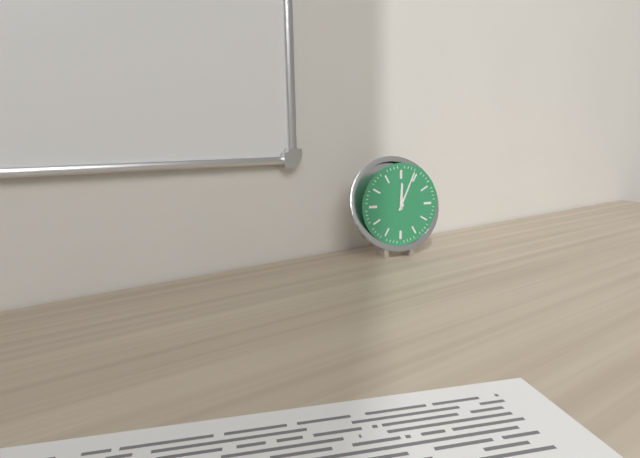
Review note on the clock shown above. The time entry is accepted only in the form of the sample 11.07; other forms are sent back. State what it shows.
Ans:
12.04
